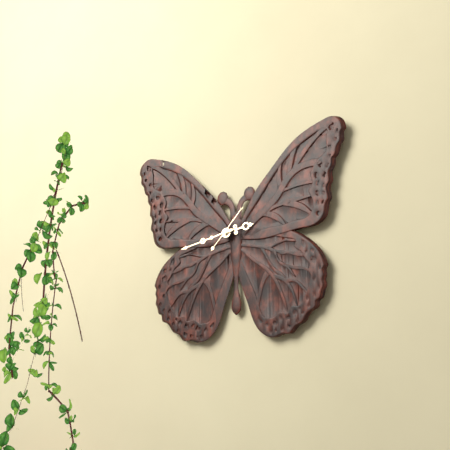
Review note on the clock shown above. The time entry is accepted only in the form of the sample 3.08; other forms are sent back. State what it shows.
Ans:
2.43
